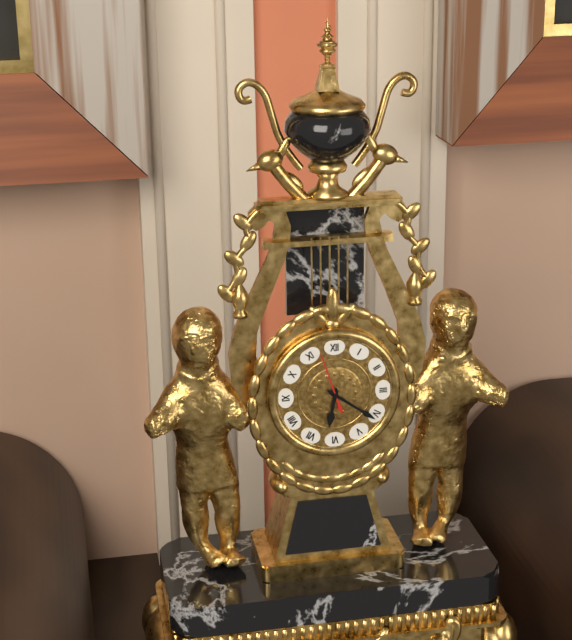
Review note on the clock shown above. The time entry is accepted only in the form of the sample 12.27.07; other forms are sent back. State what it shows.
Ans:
6.21.57
